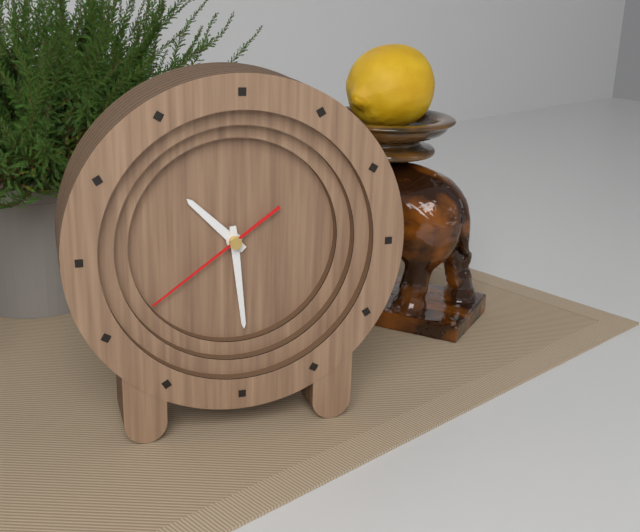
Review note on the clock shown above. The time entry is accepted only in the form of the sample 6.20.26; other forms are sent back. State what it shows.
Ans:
10.29.39
